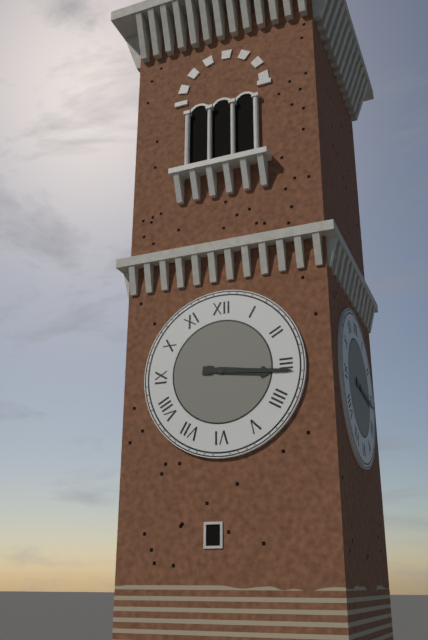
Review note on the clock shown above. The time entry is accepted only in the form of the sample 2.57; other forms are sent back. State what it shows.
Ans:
3.16
